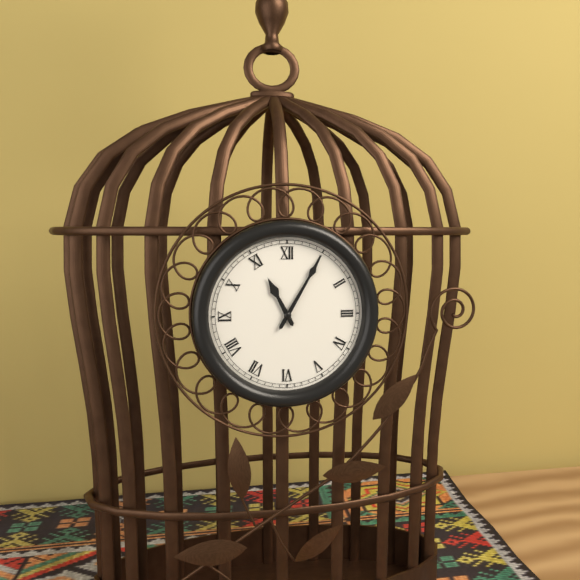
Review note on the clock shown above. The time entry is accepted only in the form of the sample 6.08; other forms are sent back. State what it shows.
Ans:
11.05
